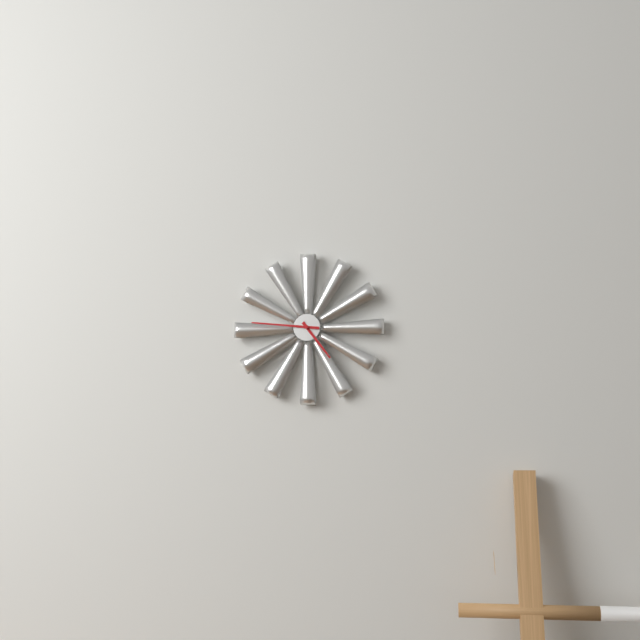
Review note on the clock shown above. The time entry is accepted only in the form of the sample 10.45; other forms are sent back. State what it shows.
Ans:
4.46
